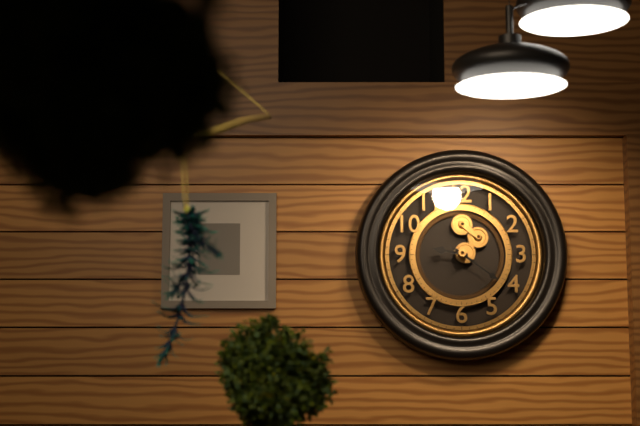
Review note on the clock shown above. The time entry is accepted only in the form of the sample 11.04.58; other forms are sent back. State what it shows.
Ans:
9.21.20
